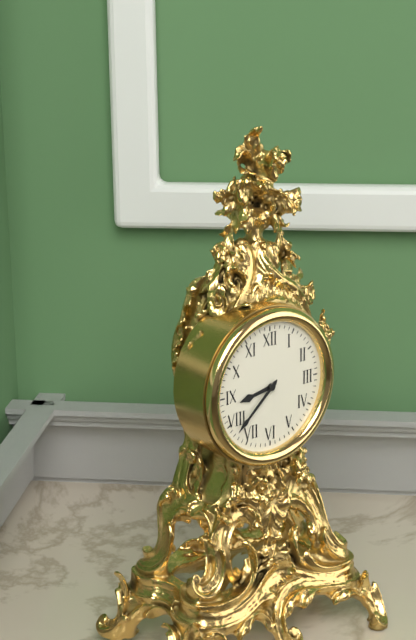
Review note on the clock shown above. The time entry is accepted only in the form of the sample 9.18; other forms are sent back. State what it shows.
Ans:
8.38
